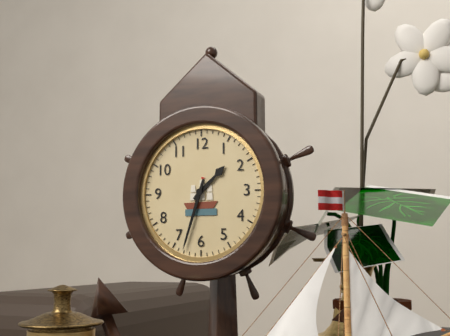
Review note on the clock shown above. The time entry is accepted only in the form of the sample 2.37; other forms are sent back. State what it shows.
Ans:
1.33
